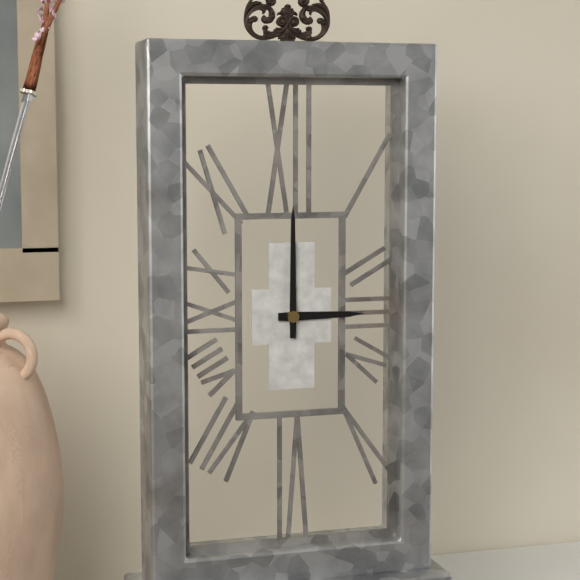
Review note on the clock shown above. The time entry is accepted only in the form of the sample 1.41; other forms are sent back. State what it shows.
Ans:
3.00
